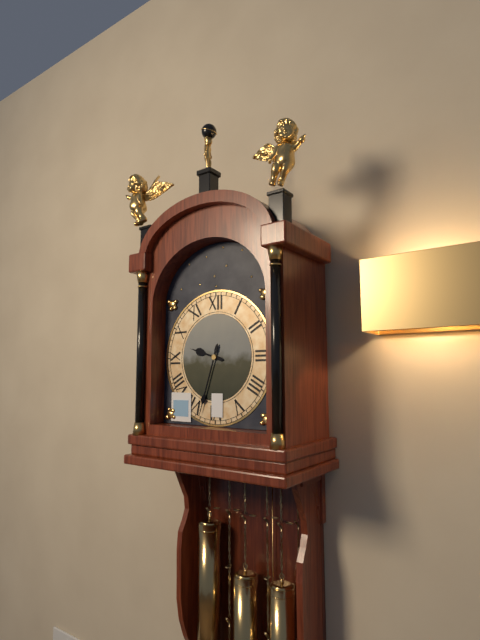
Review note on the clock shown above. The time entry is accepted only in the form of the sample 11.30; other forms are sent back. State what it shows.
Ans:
9.33
